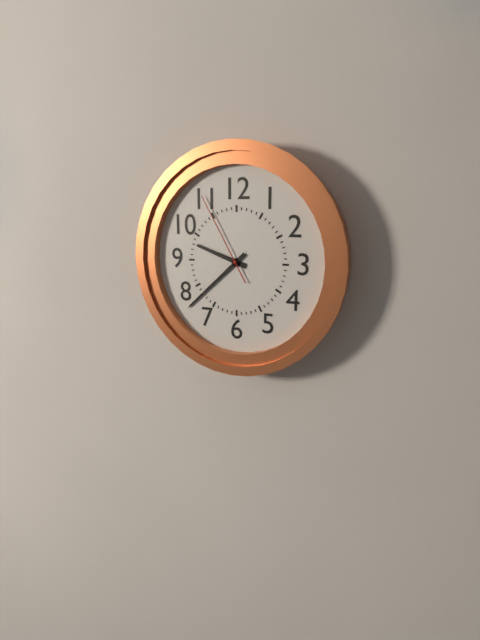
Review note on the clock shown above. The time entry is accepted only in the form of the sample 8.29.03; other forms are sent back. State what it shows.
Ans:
9.38.55
